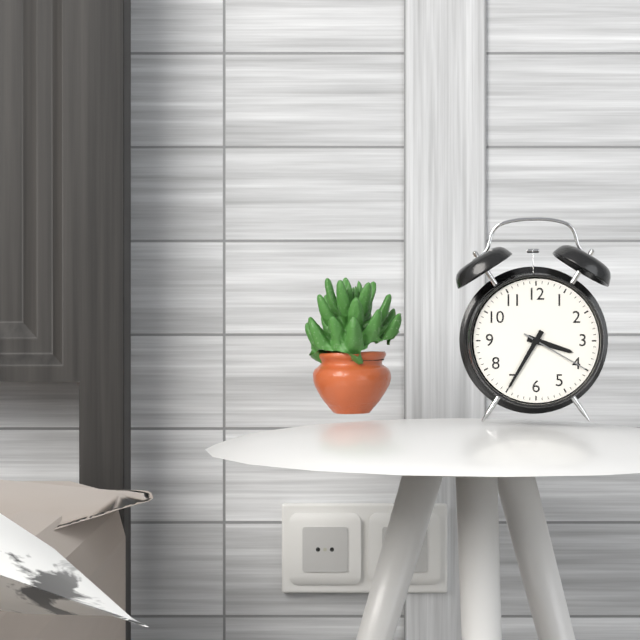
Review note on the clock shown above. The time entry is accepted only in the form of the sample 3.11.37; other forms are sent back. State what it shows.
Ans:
3.35.20
